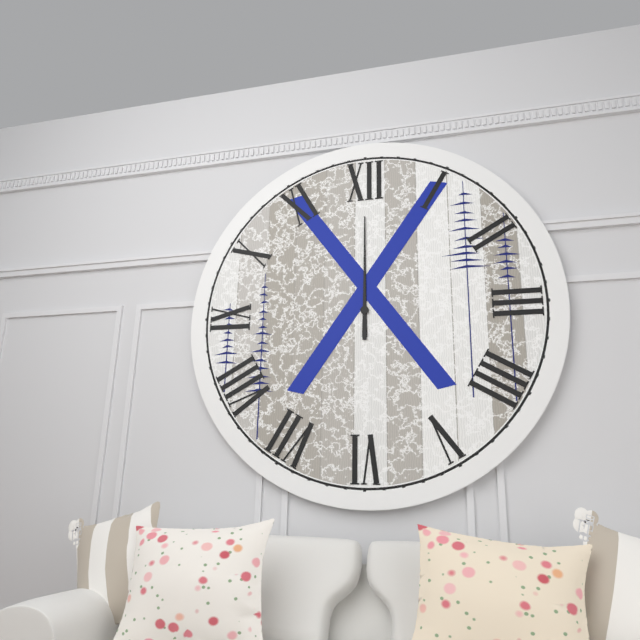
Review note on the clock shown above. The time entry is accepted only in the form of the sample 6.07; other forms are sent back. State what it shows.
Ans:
12.00
